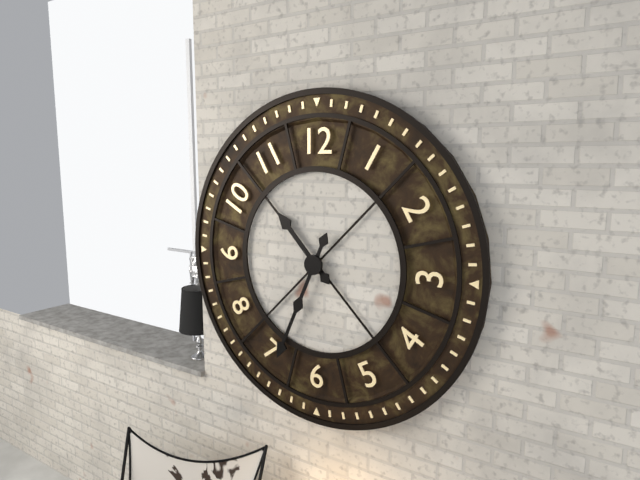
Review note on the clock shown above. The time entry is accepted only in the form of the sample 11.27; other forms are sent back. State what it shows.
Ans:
10.34
